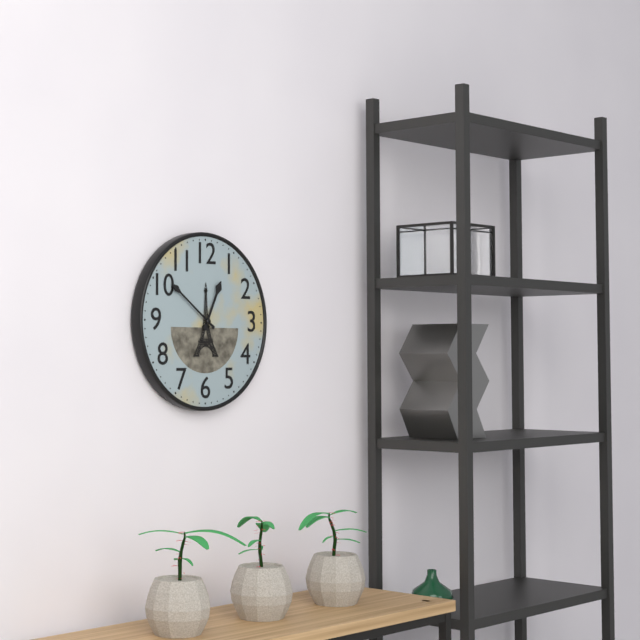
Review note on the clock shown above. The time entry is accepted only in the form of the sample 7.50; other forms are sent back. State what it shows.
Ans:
12.51
